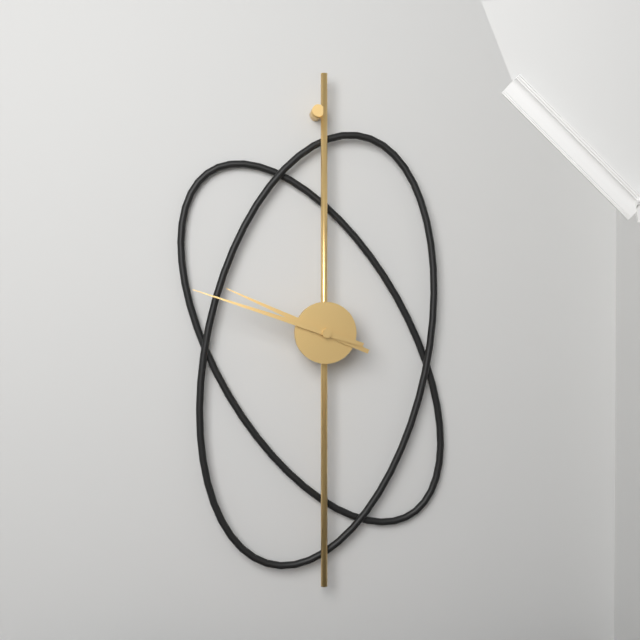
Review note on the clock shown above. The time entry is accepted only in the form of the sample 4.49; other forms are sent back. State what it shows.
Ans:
9.48
